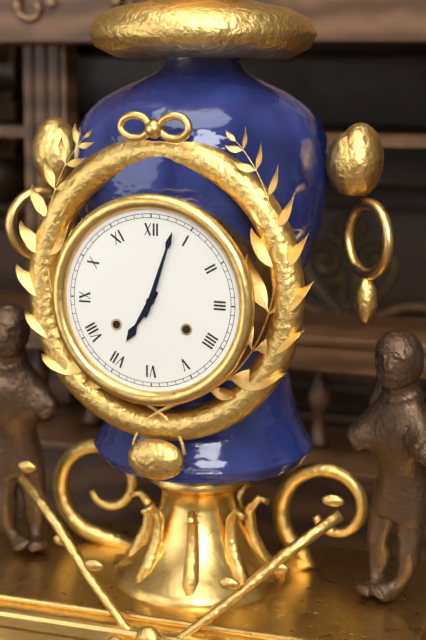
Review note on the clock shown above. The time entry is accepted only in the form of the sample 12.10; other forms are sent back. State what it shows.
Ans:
7.03
